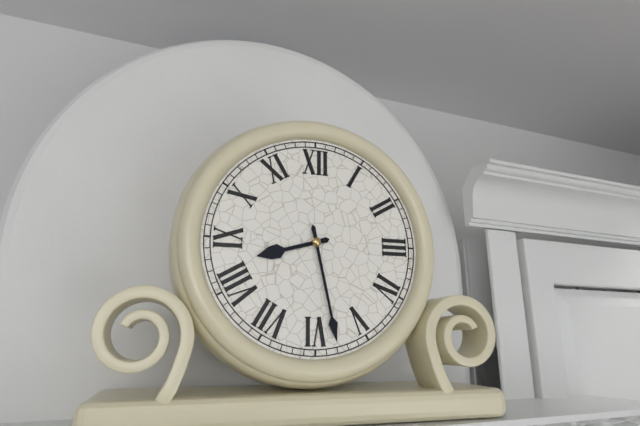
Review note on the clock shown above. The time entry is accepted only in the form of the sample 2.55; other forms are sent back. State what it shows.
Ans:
8.28
